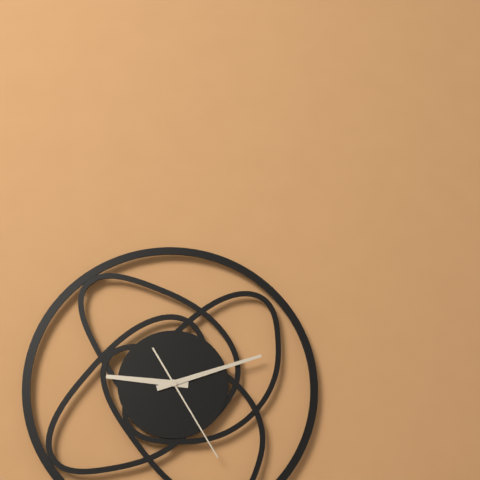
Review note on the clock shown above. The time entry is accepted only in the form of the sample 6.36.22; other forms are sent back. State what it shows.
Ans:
9.12.25
